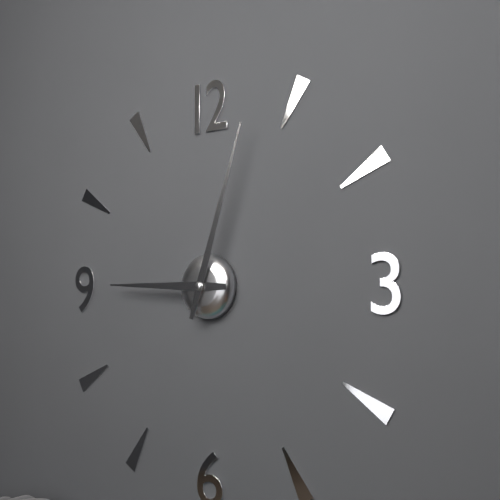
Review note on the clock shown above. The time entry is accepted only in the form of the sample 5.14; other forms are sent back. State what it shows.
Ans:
9.03
